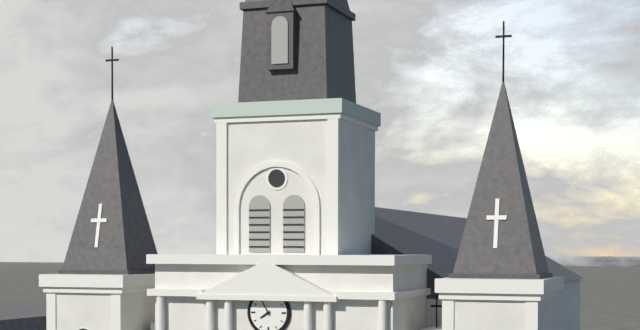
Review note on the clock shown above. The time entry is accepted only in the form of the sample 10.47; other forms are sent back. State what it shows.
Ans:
7.55
